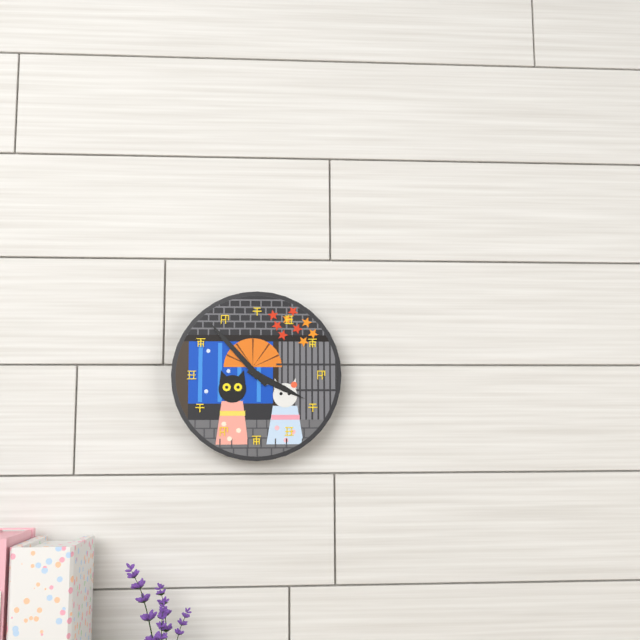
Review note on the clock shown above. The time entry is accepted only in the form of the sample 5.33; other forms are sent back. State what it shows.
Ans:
3.53
